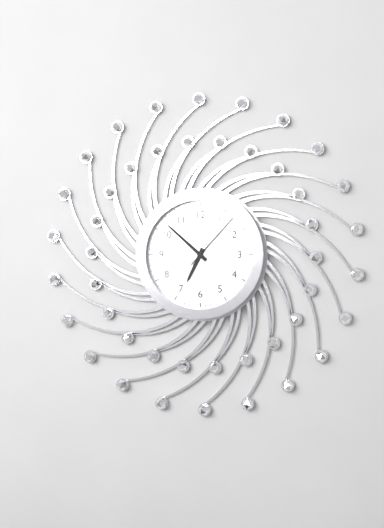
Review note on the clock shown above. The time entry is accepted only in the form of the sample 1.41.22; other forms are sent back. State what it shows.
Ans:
6.52.07
